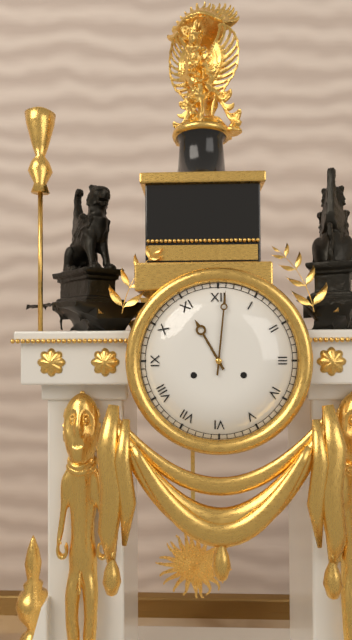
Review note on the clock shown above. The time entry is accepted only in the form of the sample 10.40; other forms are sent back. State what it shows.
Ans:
11.01
